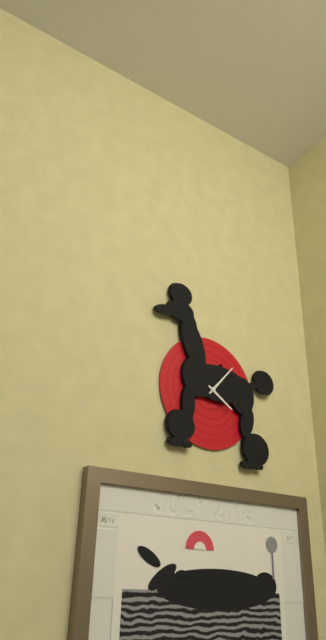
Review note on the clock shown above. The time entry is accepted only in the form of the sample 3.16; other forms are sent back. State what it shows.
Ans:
4.07
